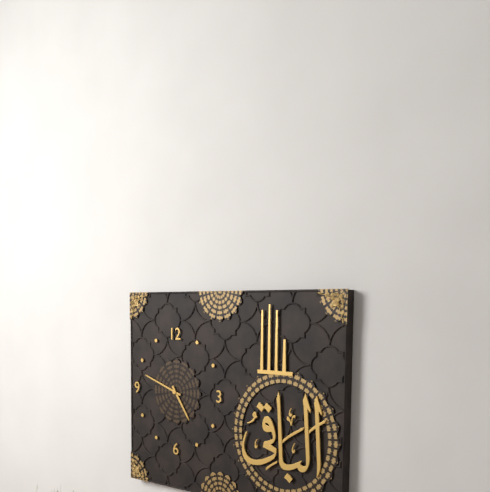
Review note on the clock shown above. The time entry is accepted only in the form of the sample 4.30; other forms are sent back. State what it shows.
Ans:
4.48
